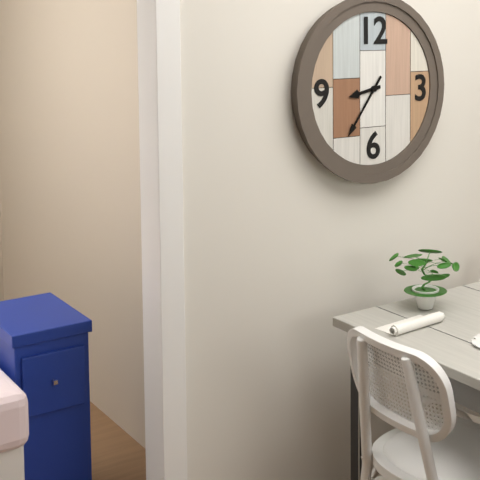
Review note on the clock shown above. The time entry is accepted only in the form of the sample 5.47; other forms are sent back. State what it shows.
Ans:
8.36
